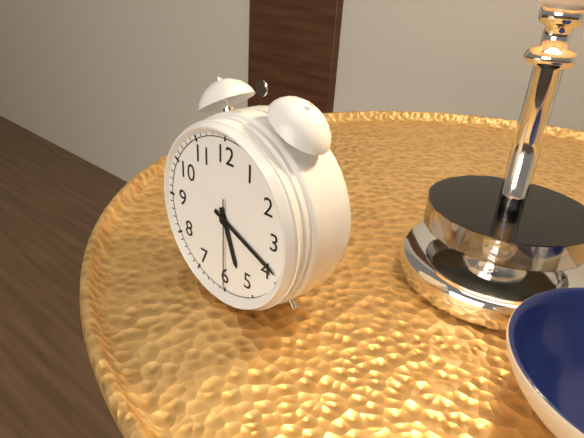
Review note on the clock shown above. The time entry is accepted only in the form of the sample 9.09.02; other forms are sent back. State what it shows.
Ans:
5.19.30
